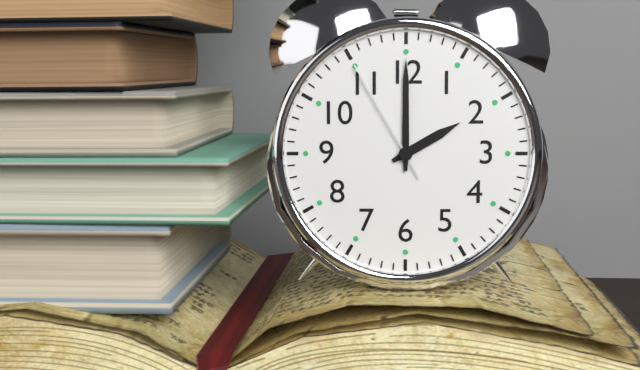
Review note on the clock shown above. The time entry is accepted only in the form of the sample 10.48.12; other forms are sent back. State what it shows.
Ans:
2.00.55
